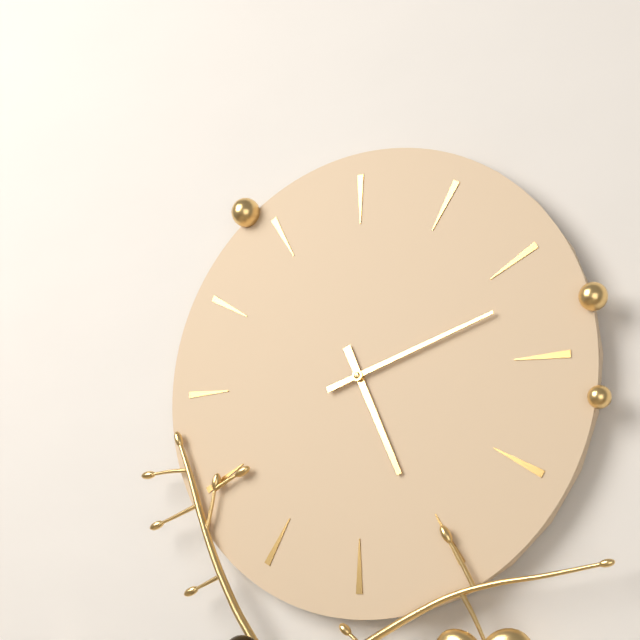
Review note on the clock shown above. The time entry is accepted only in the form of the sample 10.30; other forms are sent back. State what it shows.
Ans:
5.12
